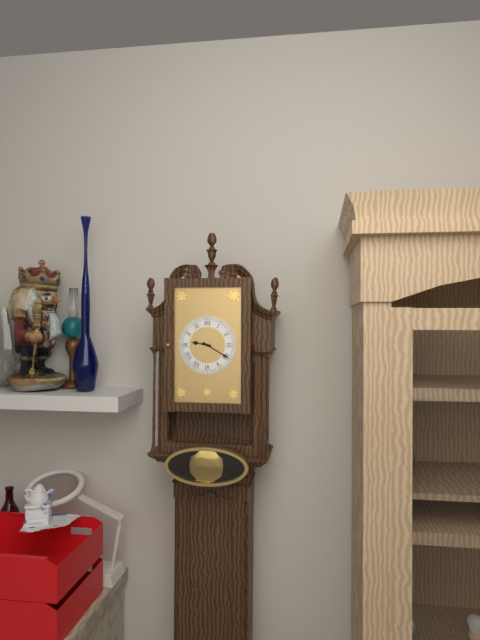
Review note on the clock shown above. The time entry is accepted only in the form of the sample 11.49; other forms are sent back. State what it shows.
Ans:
9.20
